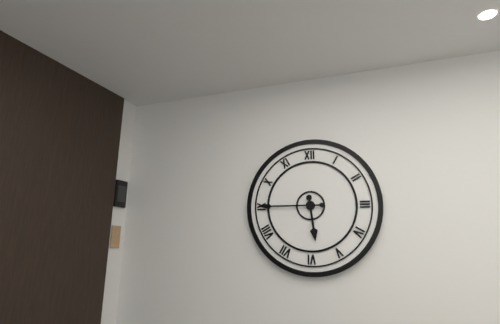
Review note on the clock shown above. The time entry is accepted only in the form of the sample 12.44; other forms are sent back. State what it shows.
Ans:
5.45
